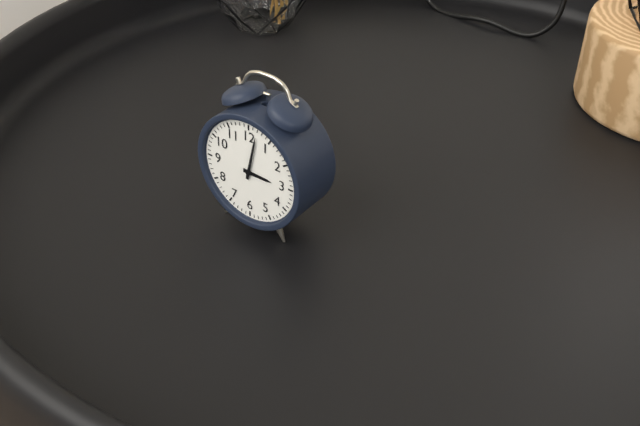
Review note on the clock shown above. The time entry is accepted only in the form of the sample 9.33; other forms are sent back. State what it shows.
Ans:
3.02
